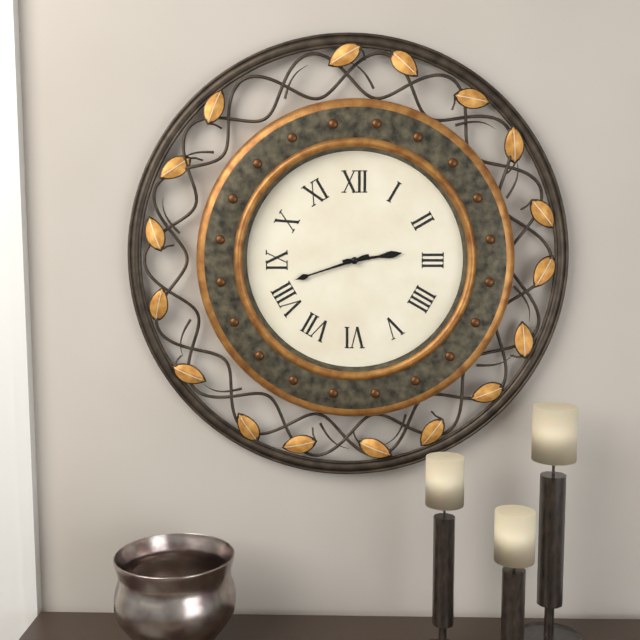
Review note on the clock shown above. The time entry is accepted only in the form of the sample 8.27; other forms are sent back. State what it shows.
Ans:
2.42
